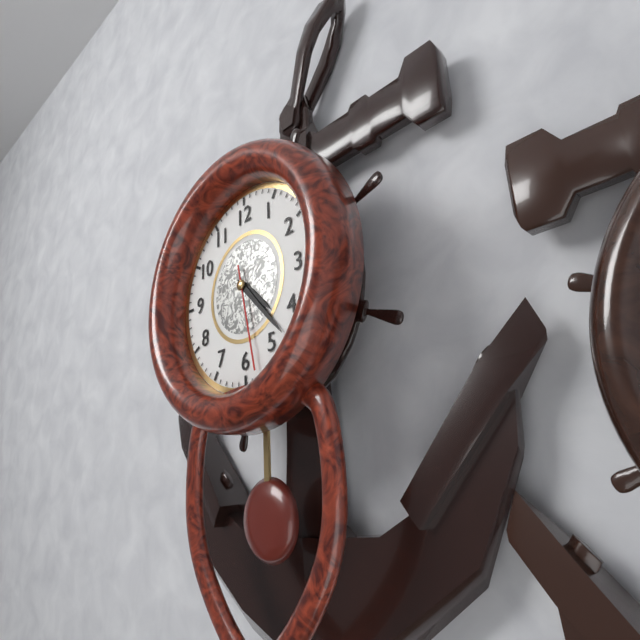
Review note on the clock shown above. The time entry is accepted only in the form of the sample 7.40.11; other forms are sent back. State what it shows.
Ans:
4.23.28
